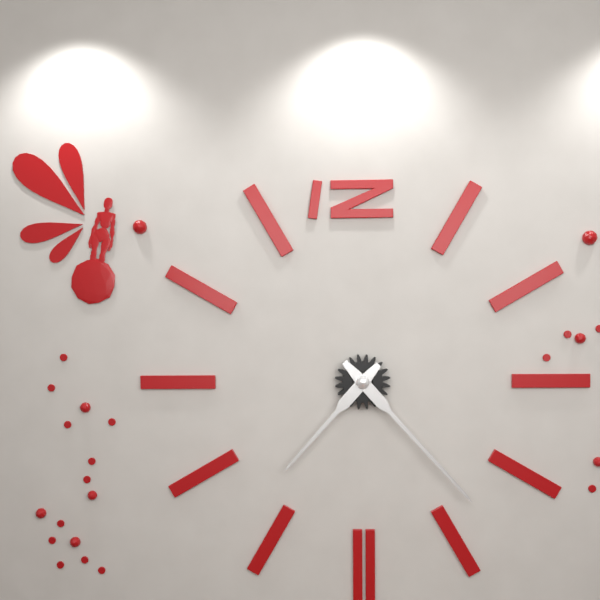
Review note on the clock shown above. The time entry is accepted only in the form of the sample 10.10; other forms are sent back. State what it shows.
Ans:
7.23
